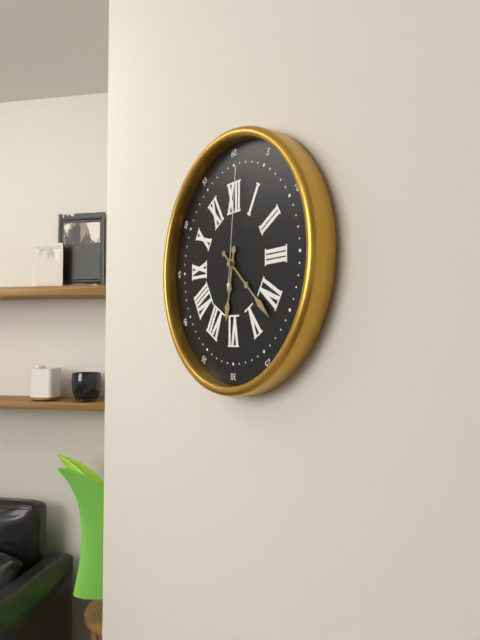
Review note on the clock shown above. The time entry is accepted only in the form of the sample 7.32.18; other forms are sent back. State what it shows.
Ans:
6.22.01
